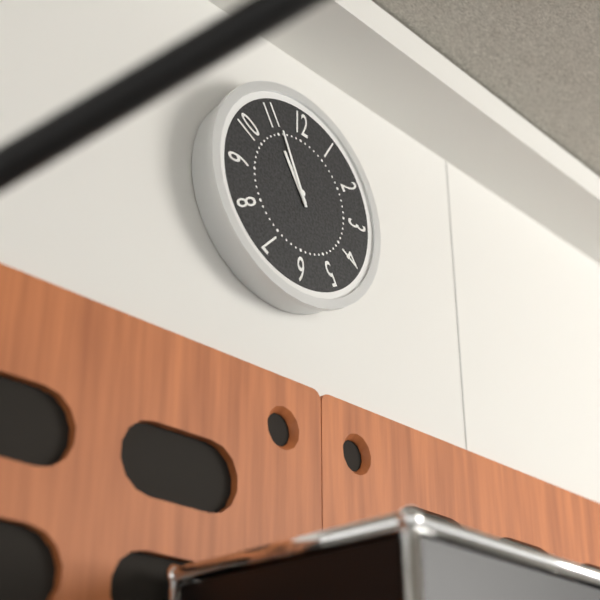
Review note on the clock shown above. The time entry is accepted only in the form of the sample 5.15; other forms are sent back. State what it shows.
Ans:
10.56
